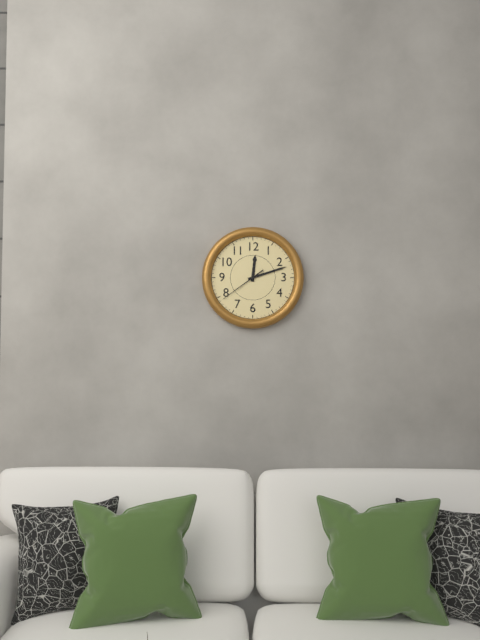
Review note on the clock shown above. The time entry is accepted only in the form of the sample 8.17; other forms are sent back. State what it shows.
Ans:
12.12
